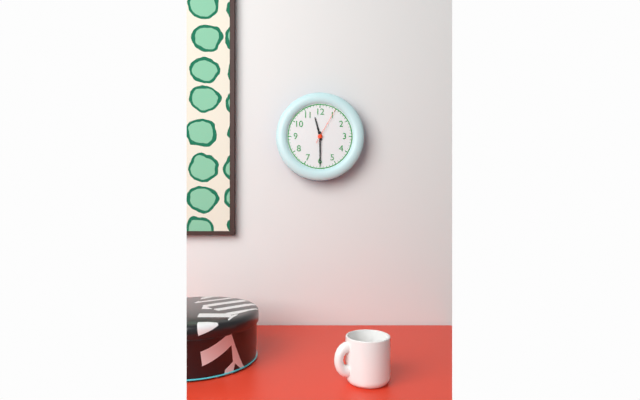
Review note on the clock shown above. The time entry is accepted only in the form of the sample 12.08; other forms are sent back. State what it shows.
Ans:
11.30
